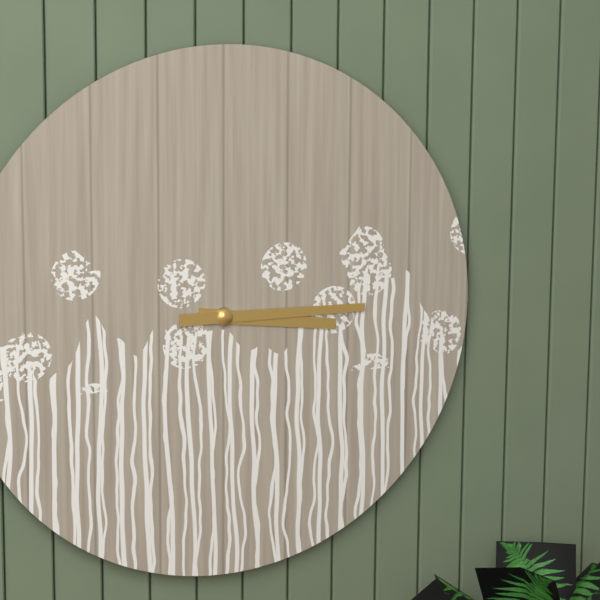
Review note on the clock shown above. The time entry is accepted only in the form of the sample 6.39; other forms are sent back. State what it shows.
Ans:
3.15
